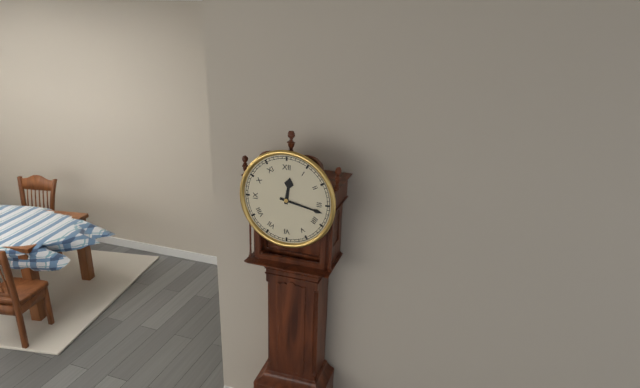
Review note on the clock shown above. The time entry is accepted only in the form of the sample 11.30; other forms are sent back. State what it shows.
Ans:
12.17
